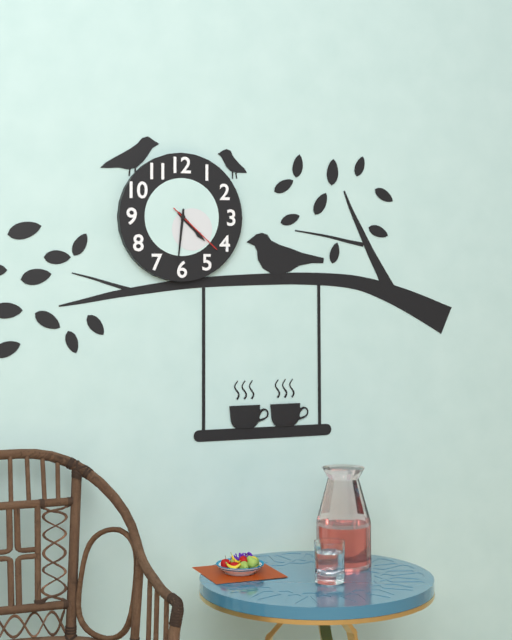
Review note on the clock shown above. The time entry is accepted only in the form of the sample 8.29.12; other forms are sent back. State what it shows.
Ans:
4.31.22
